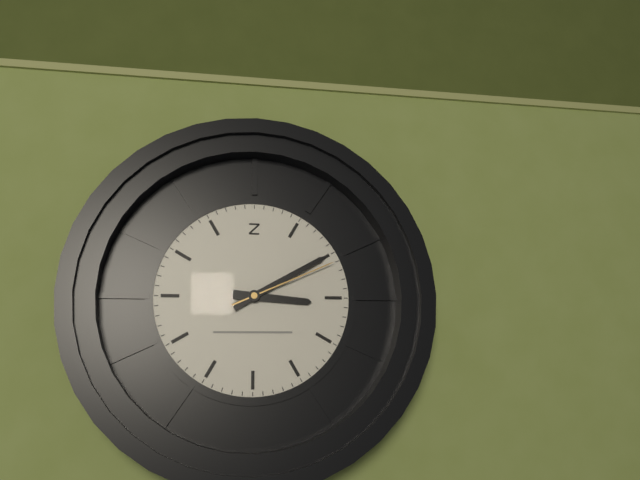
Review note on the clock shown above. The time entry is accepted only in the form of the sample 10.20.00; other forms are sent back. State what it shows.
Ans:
3.10.11
